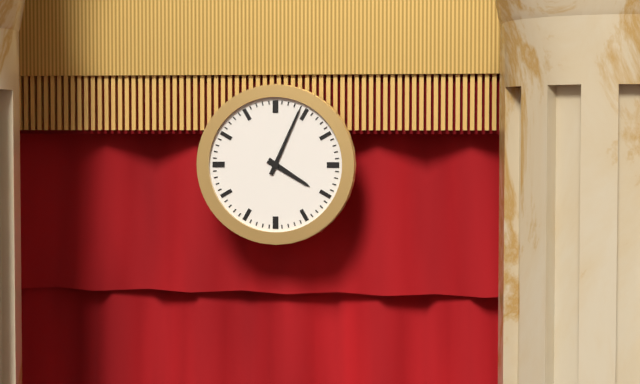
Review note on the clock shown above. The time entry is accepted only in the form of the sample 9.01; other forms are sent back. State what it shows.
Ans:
4.04
